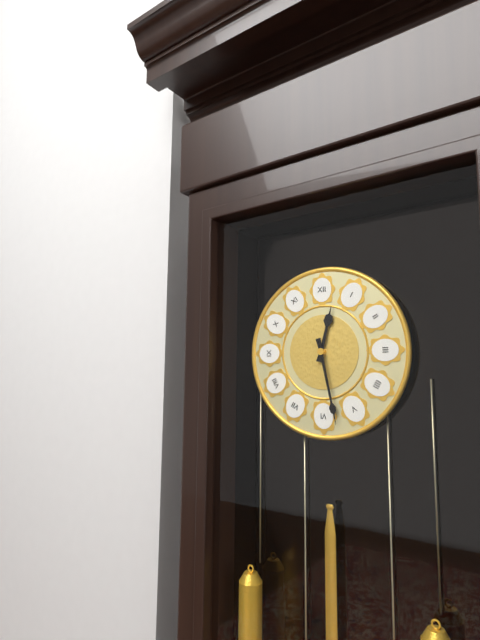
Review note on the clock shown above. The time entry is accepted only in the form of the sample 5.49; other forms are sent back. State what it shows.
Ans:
12.28
